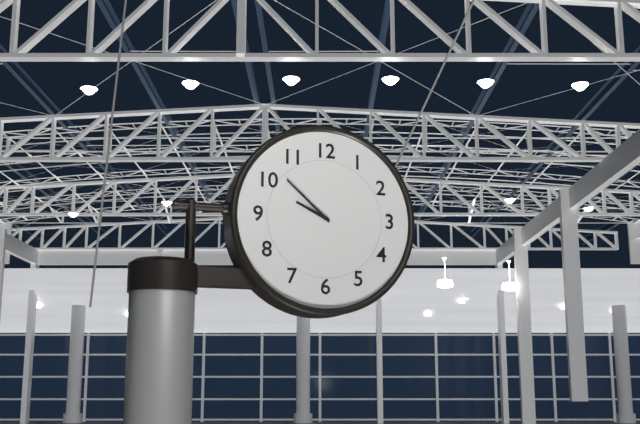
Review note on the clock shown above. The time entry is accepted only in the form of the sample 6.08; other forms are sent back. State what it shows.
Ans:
9.52
